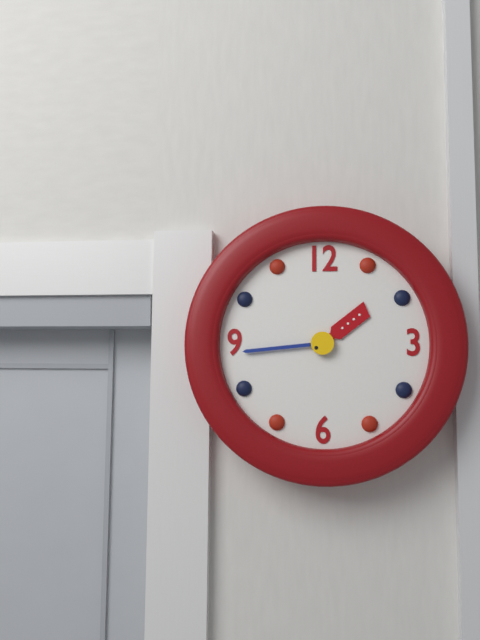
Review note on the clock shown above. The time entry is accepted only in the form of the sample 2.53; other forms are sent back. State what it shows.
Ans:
1.44
